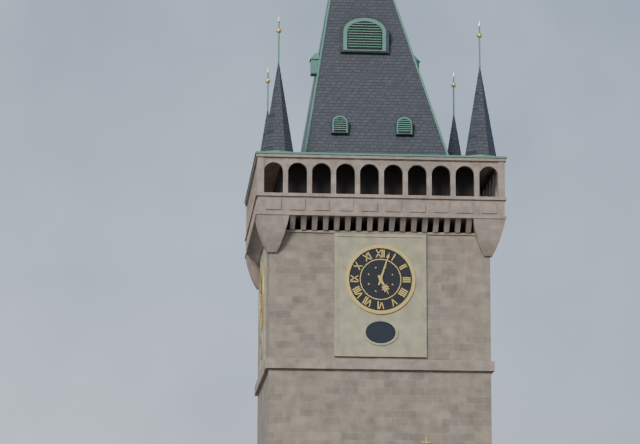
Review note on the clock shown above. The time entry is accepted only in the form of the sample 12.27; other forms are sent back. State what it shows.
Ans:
5.03
